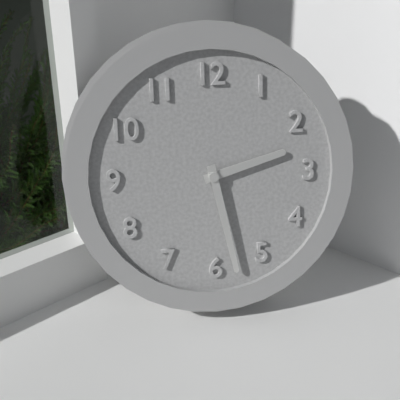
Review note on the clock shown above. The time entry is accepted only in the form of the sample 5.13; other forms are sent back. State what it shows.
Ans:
2.28
